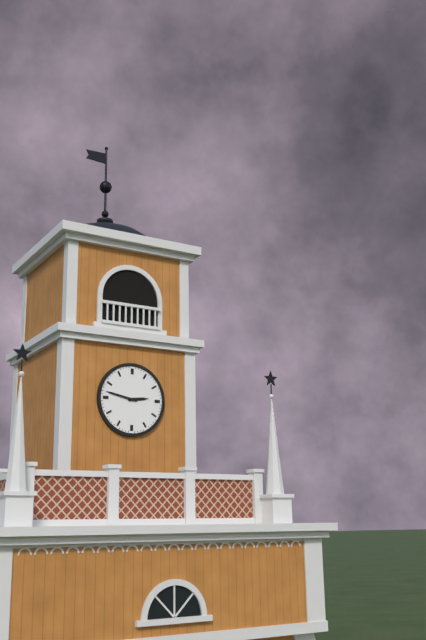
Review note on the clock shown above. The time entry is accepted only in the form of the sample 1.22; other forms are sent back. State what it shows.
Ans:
2.47
